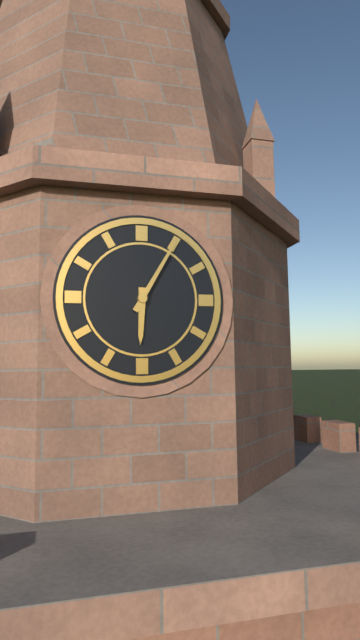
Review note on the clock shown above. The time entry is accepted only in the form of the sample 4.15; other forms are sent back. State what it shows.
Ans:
6.05
